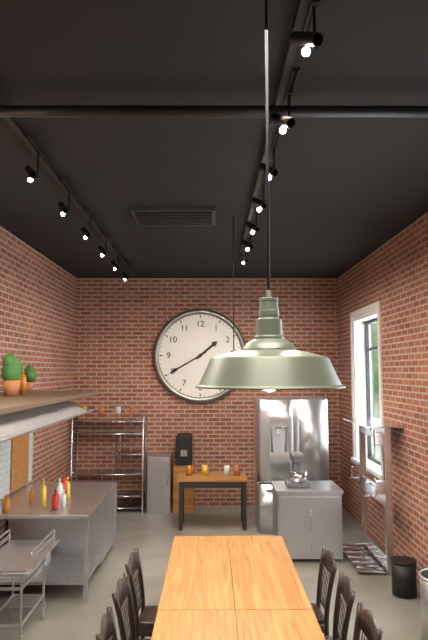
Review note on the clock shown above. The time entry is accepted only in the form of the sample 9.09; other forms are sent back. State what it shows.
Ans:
1.40
